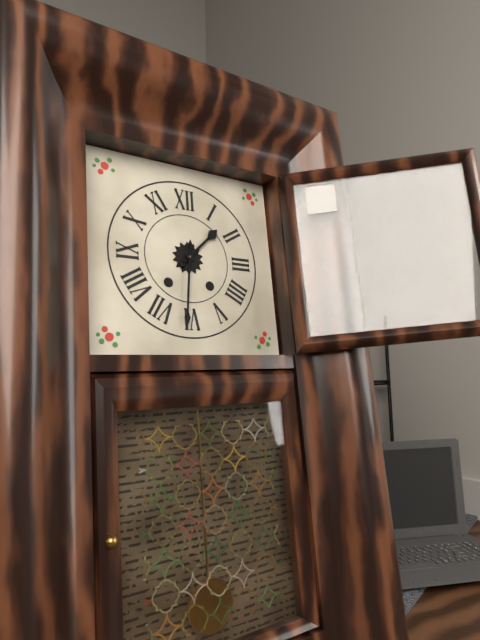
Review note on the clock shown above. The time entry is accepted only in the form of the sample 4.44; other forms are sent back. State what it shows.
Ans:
1.31
